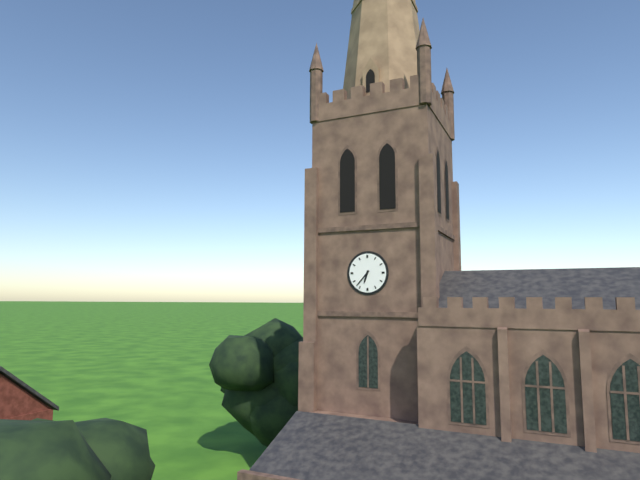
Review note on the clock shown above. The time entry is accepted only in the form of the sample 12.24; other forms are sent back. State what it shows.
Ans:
6.37
